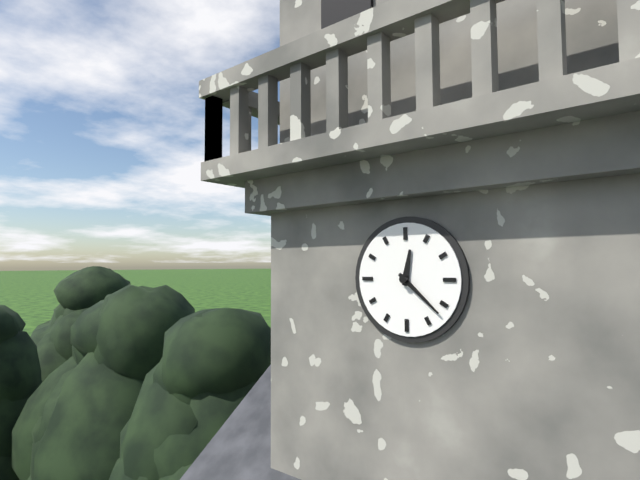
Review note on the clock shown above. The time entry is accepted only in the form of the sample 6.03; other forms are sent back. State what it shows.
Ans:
12.22
